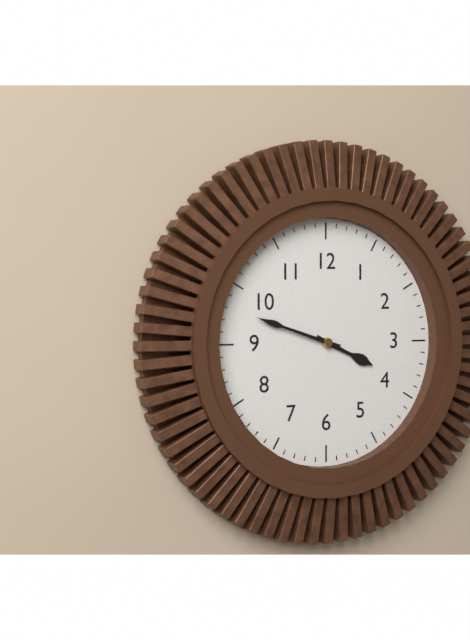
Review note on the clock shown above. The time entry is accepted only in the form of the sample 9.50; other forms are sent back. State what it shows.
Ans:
3.48
